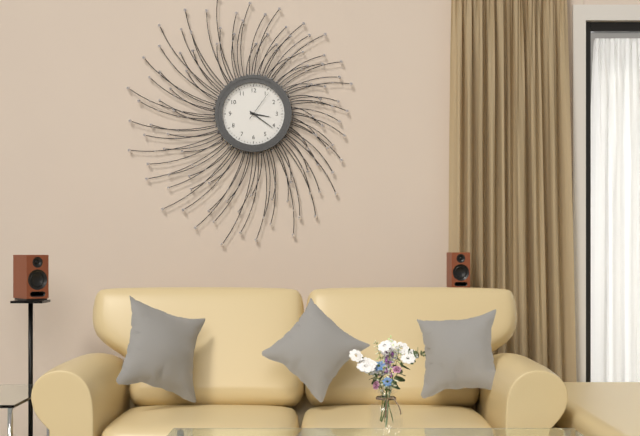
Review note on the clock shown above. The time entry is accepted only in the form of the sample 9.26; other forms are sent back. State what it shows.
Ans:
3.21
